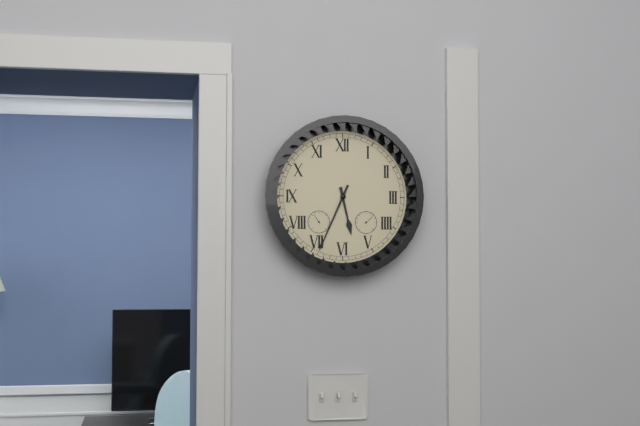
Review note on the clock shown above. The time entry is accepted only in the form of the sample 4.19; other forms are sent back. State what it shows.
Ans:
5.34
